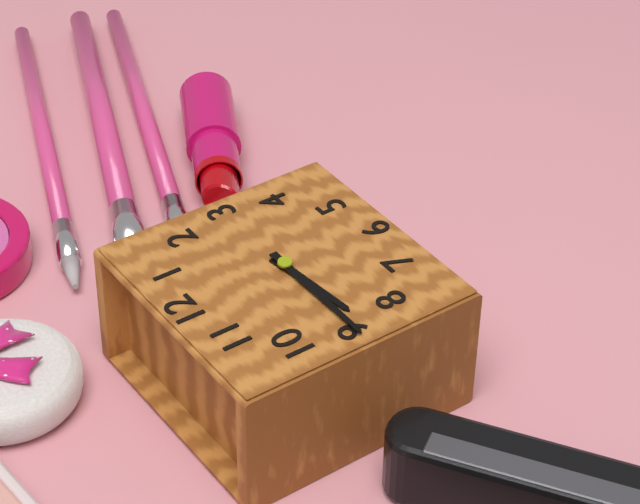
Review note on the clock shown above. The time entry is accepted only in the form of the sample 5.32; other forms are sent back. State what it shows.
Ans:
8.45
